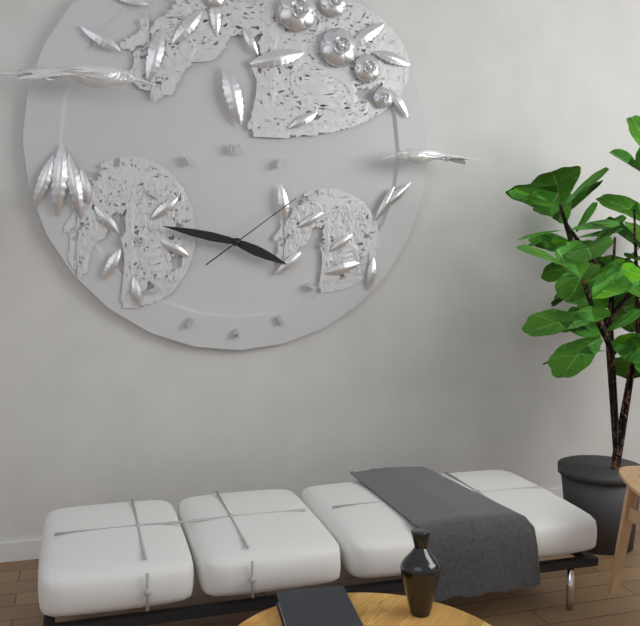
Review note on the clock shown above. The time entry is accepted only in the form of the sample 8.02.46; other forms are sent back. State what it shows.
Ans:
3.47.09
